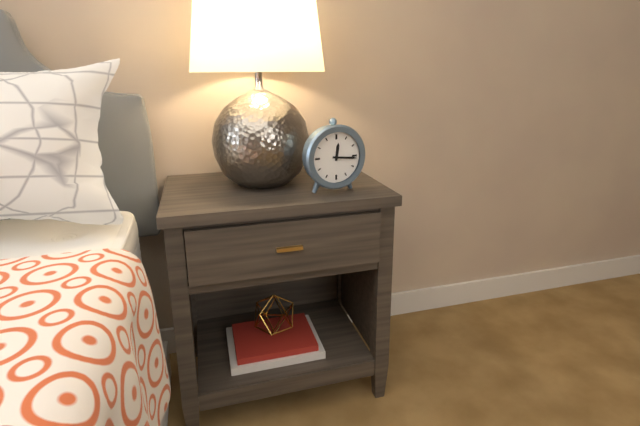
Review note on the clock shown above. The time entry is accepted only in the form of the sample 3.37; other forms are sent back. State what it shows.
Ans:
12.16
